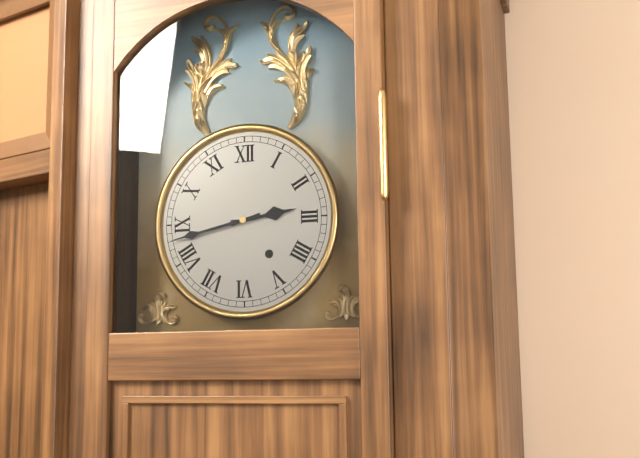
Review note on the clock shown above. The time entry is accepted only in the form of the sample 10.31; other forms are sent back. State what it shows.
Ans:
2.43
